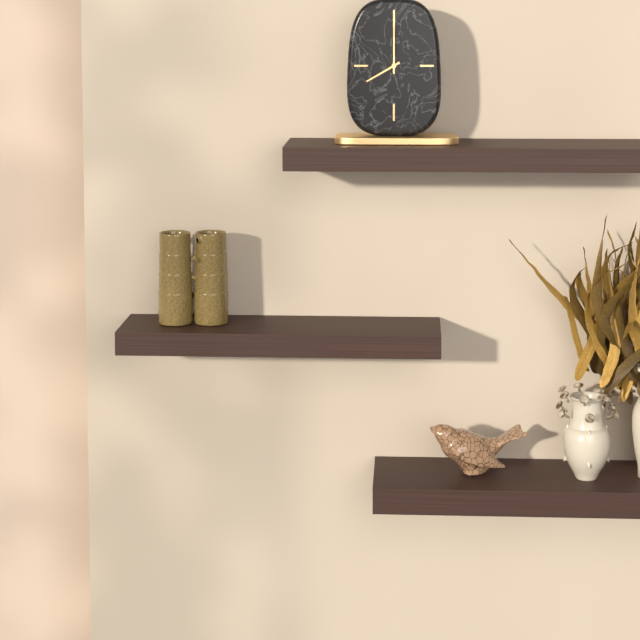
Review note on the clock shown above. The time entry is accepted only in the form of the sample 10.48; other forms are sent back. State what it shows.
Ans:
8.00
